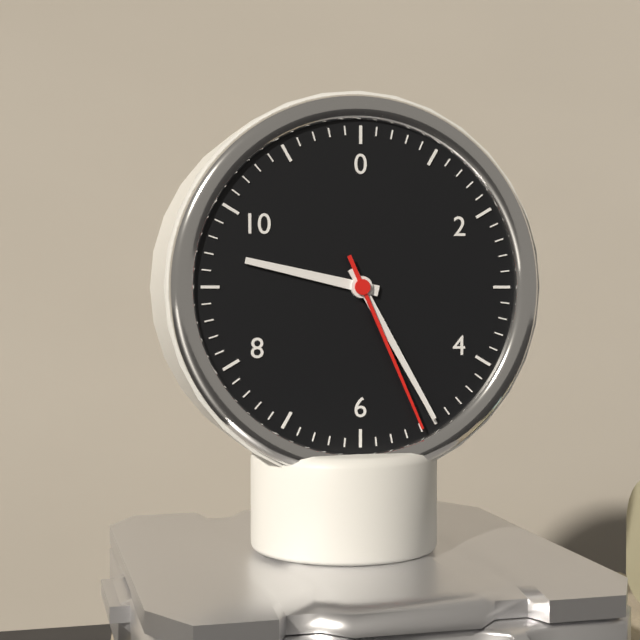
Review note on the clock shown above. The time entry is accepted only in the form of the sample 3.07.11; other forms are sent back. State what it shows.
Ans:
9.25.26
